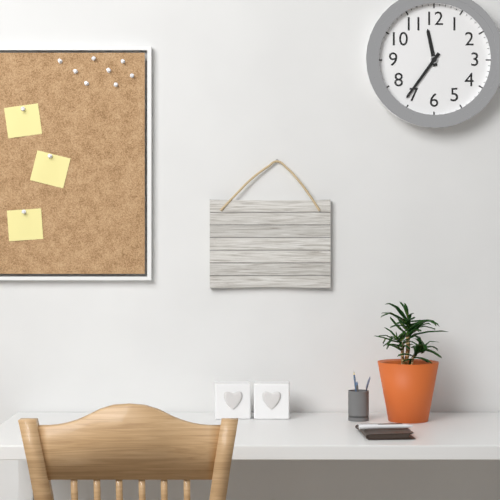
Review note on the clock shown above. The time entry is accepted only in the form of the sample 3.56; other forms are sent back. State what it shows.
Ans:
11.36
